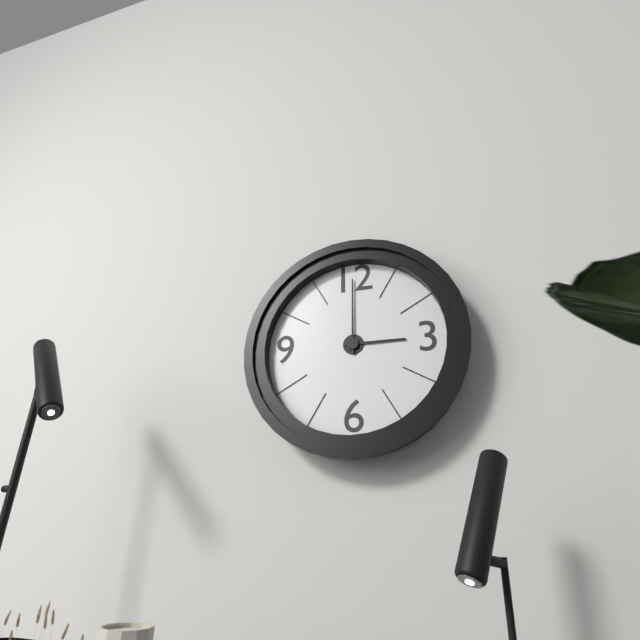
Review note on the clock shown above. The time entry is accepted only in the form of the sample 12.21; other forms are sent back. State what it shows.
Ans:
3.00
